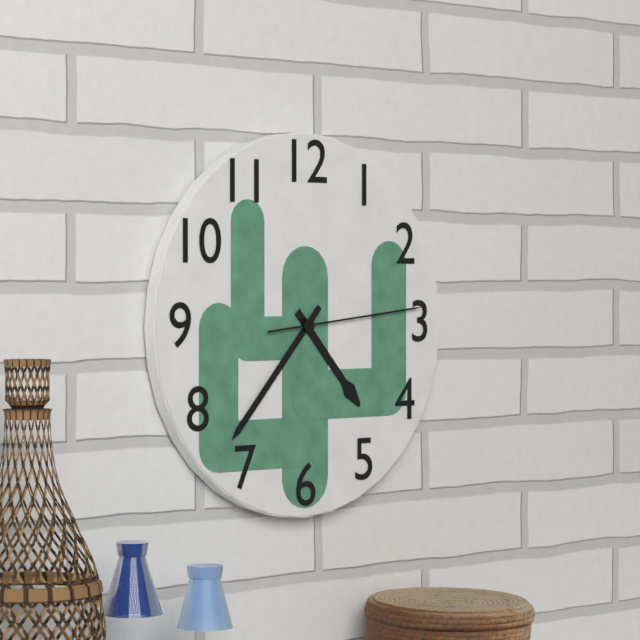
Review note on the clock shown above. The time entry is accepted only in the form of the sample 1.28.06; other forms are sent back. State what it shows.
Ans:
4.37.14
